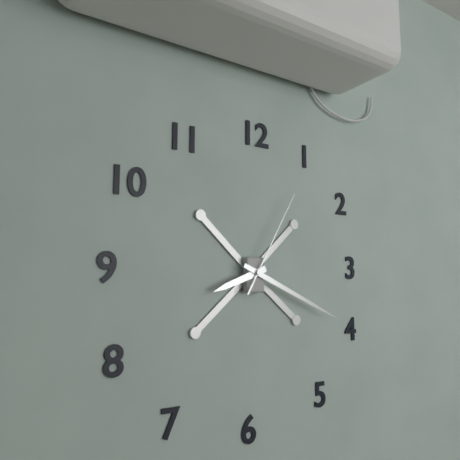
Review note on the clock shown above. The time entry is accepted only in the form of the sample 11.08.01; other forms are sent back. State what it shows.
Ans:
8.19.05
